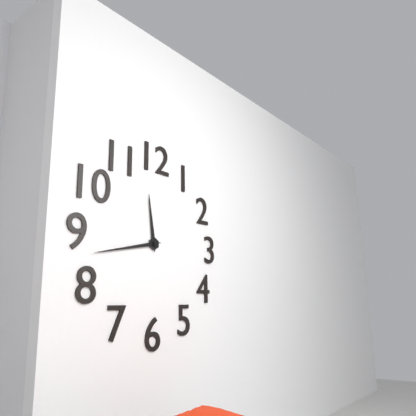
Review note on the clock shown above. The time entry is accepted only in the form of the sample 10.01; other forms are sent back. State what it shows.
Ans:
11.43
